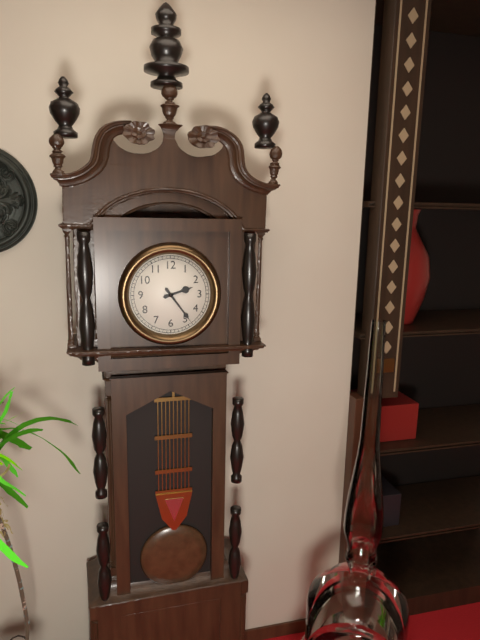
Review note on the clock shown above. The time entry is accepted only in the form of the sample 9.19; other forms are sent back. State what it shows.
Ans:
2.24
